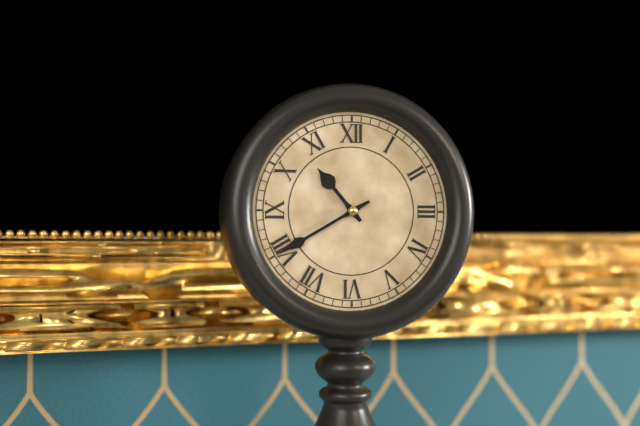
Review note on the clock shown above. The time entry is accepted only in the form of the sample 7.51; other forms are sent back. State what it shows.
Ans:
10.40
